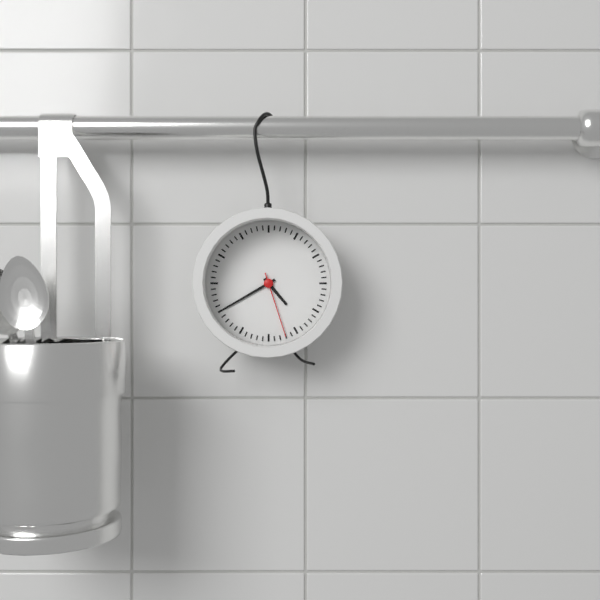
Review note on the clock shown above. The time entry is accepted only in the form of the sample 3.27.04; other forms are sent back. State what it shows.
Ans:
4.40.27
